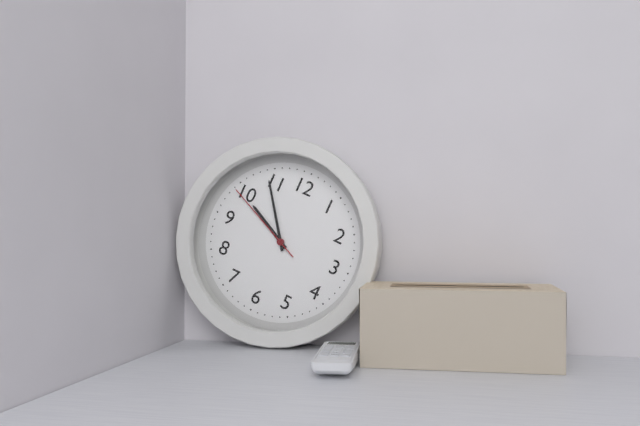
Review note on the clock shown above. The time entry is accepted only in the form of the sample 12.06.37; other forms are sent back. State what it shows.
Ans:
9.54.49
